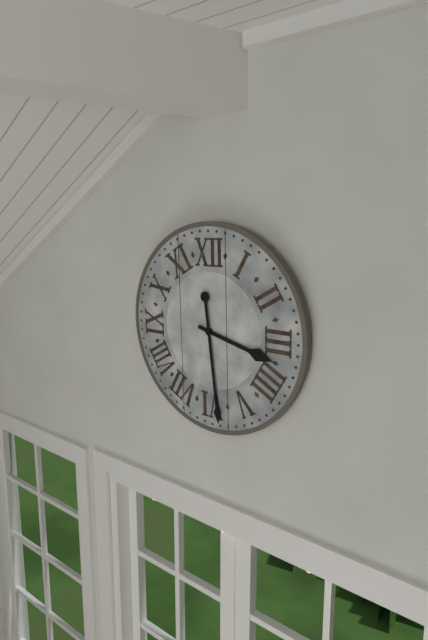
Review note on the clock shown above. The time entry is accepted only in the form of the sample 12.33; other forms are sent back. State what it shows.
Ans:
3.29
